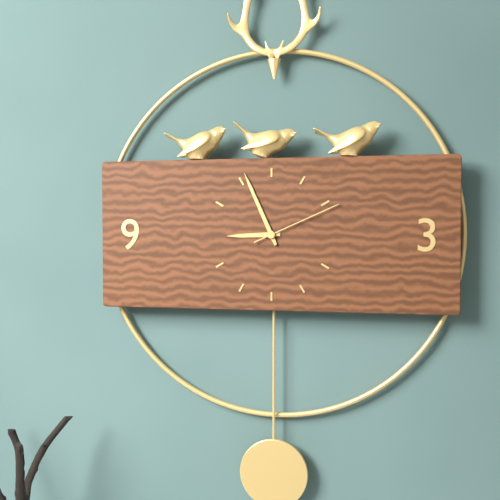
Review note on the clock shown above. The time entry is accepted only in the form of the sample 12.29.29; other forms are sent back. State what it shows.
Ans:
8.56.11
